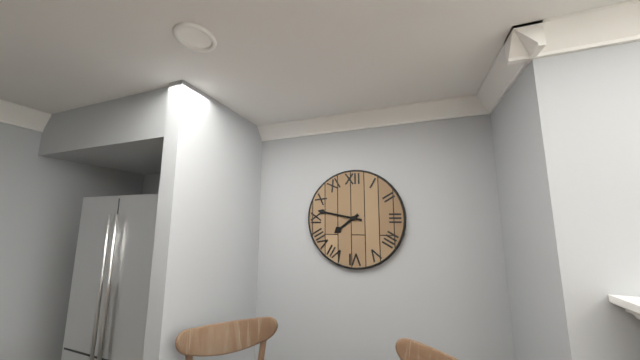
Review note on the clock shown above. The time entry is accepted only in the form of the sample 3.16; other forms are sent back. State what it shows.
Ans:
7.47
